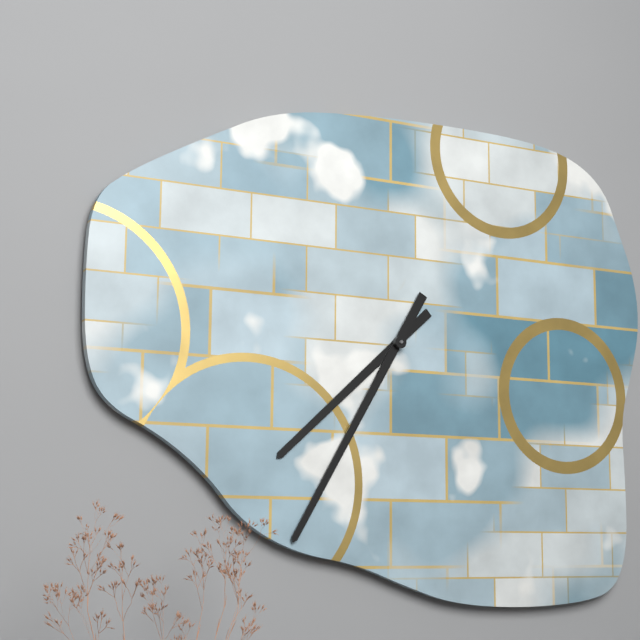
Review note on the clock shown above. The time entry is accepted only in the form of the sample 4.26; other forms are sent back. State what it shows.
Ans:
7.35
